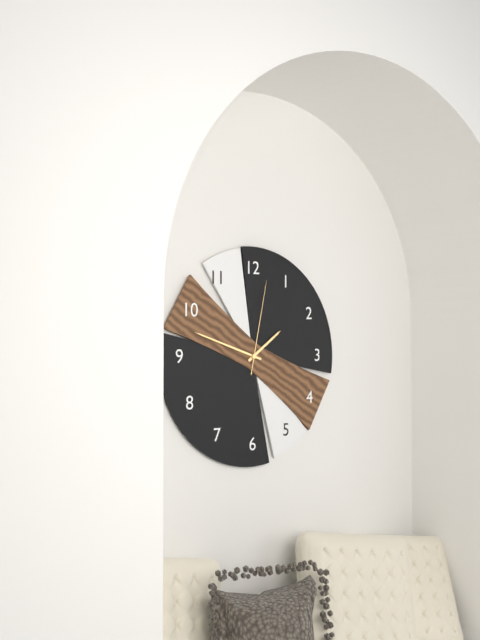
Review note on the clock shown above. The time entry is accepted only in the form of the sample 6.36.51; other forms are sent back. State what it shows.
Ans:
1.48.02
